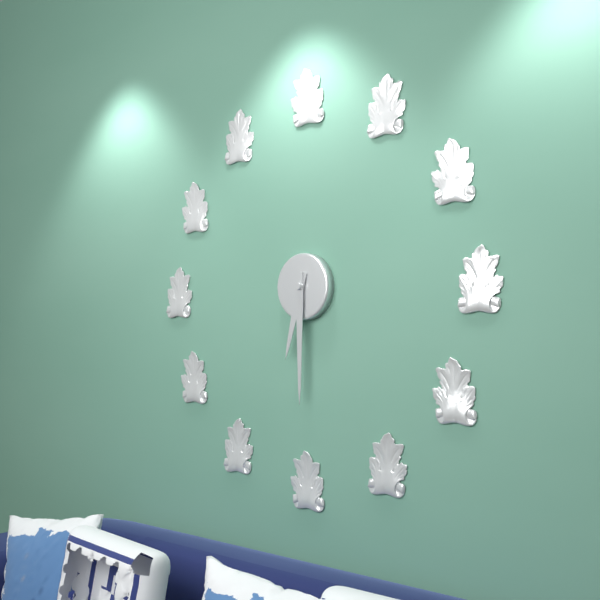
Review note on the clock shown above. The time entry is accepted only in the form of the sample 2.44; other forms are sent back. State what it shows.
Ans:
6.30
